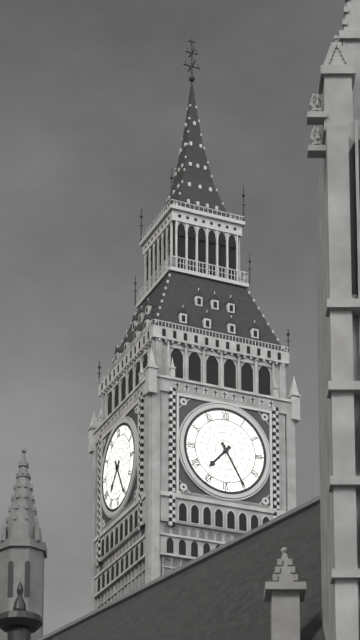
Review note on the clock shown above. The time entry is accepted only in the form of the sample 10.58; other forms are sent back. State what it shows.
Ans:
7.25
